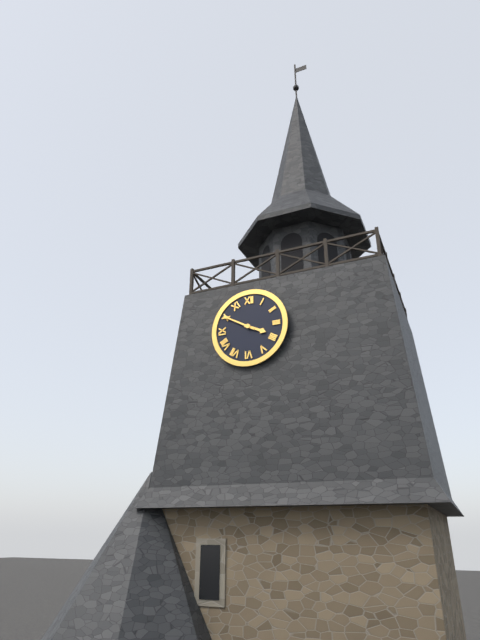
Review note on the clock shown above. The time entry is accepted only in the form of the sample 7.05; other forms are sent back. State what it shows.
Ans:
3.50
